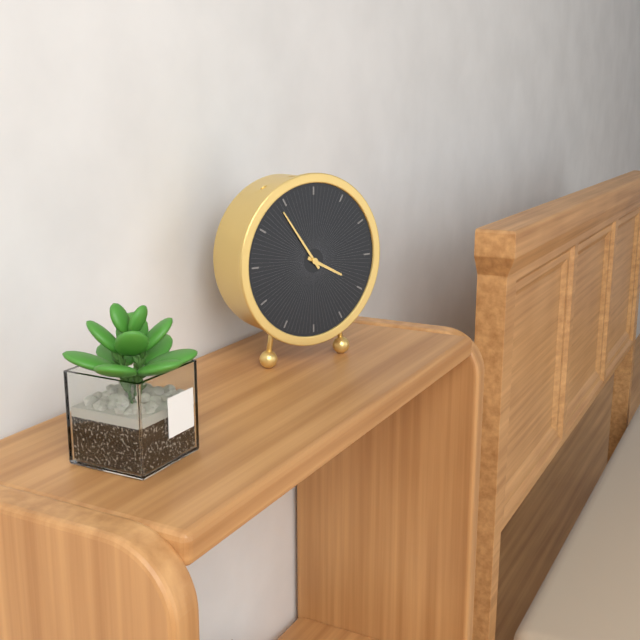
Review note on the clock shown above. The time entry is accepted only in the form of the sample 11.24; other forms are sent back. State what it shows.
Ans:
3.54
